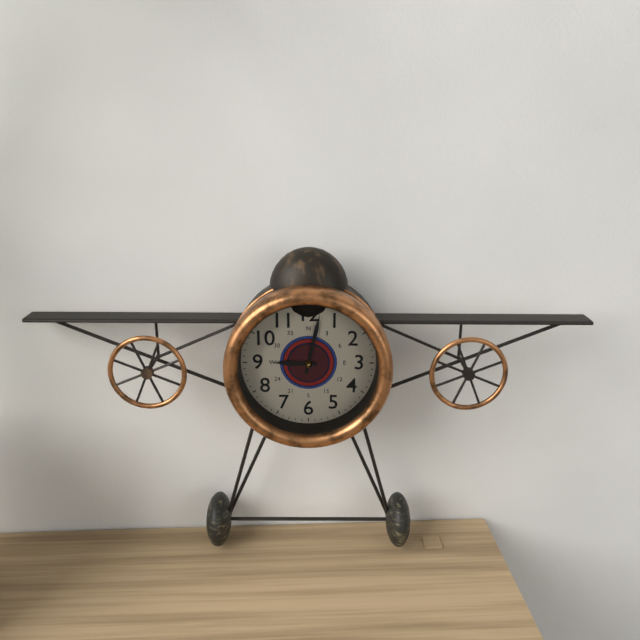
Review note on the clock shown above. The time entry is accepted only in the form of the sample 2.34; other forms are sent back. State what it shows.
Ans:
9.02
